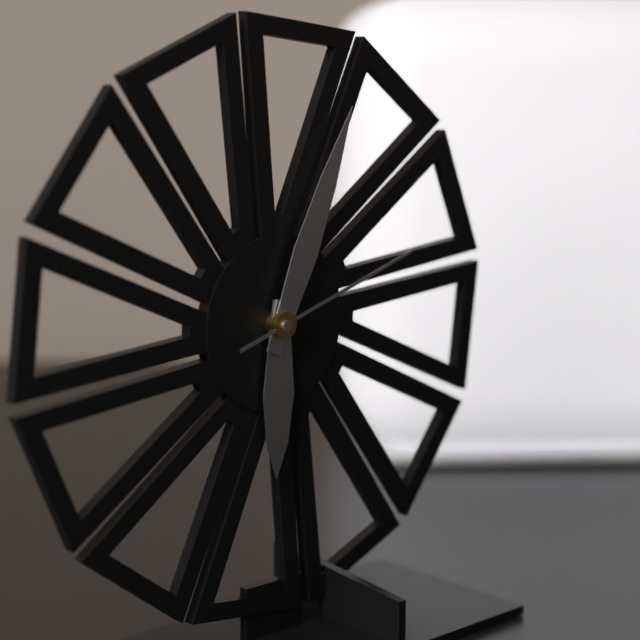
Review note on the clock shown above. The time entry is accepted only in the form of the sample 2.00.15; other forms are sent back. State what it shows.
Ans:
6.04.12
